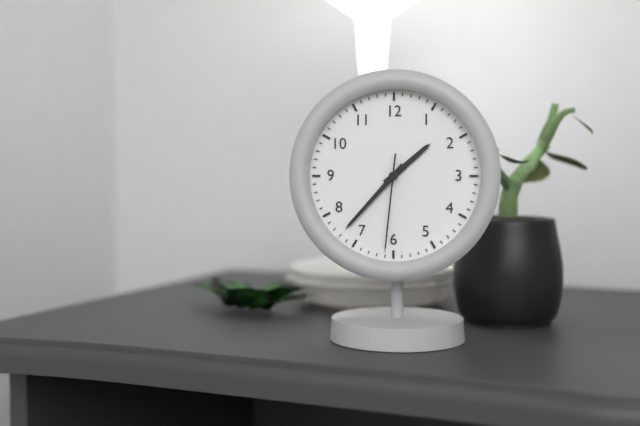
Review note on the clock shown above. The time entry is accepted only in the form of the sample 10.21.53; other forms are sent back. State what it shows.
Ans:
1.37.31
